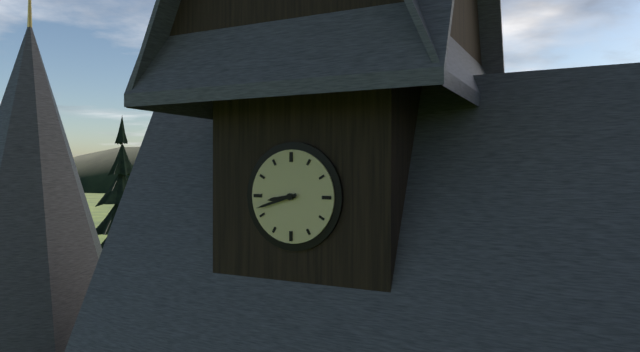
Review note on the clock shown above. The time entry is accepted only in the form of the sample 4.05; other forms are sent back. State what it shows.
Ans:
8.42
